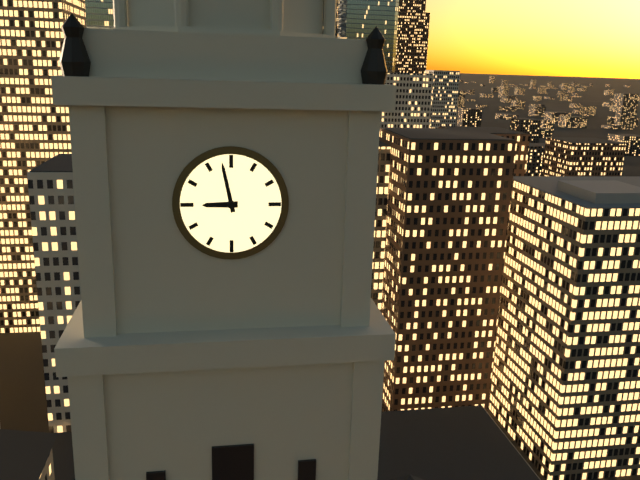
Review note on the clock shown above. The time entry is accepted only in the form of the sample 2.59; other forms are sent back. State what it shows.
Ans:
8.58
